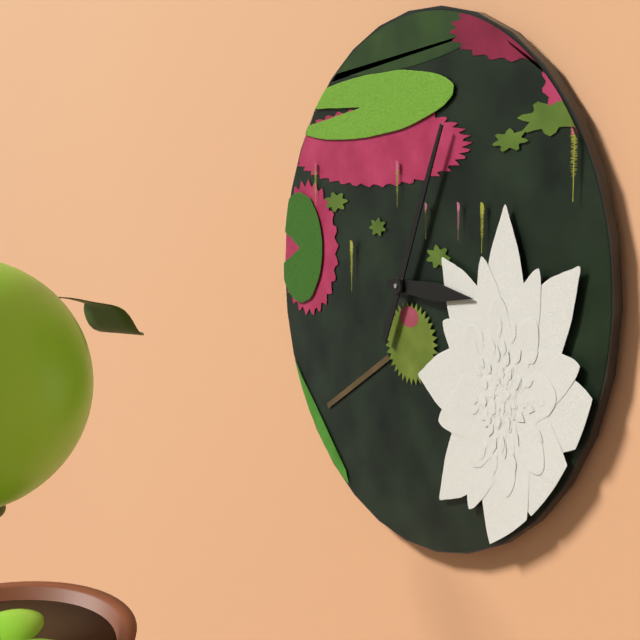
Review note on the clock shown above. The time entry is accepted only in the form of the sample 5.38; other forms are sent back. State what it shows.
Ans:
3.04
